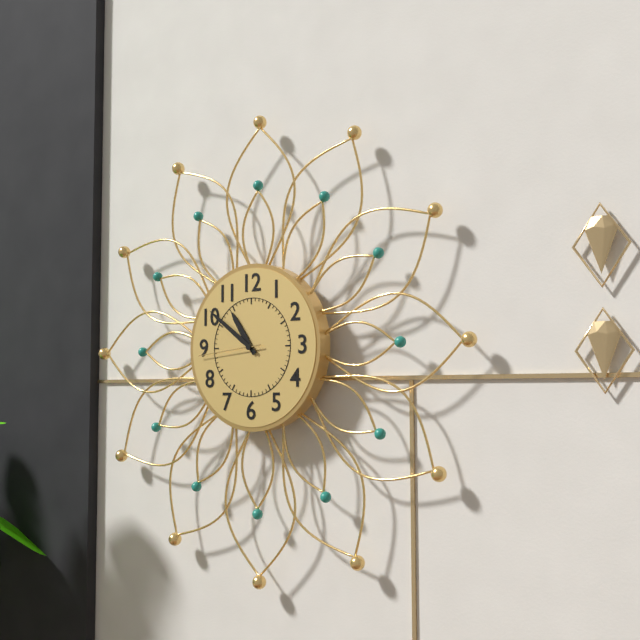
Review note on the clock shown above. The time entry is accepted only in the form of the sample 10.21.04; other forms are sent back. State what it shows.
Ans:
10.51.44
